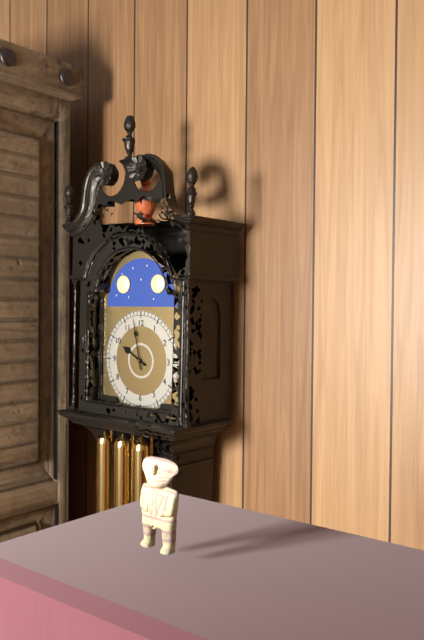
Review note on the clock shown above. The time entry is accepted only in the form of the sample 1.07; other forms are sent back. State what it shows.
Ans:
9.58
